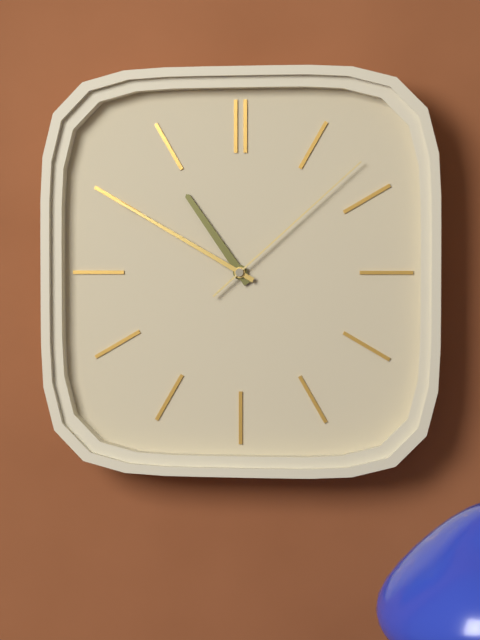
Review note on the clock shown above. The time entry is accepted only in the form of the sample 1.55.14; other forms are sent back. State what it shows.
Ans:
10.50.08
